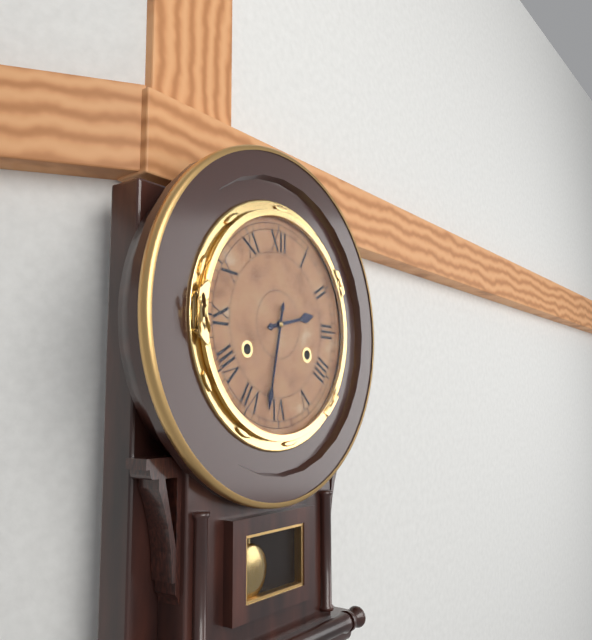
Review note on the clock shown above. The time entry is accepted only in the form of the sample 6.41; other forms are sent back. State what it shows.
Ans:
2.32
